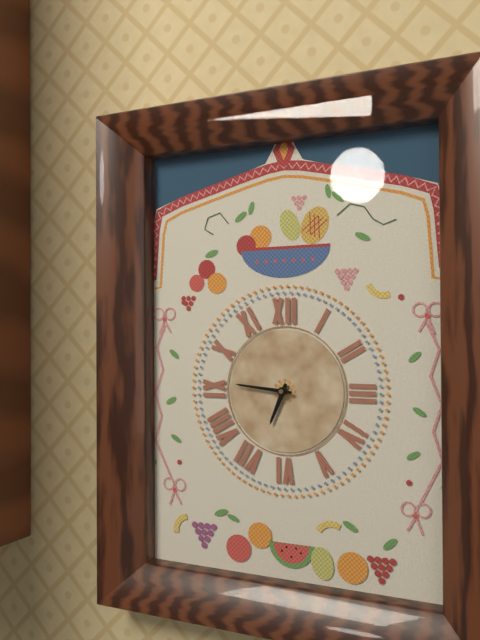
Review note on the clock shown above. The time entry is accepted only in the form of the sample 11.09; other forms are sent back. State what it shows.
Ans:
6.46
